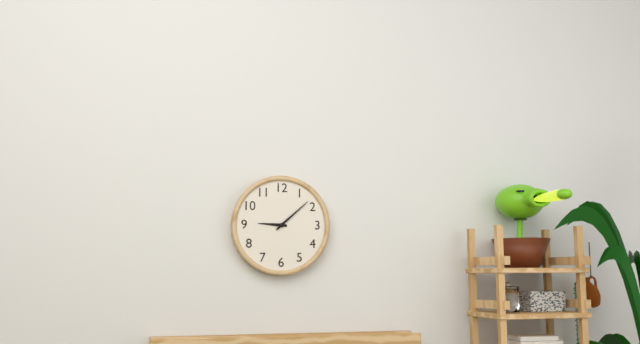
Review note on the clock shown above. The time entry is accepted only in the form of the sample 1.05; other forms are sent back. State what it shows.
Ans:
9.08
